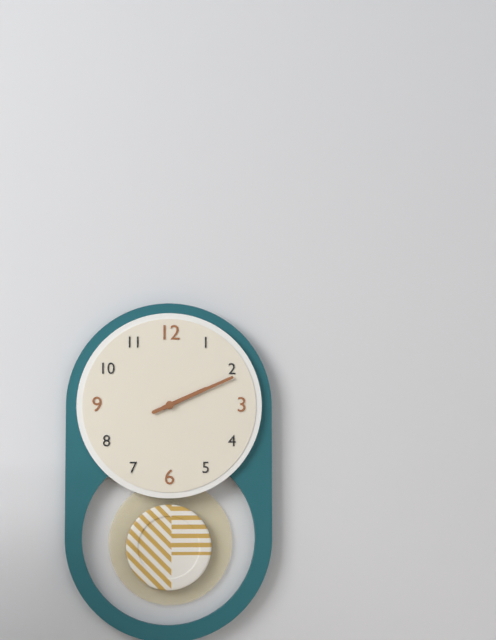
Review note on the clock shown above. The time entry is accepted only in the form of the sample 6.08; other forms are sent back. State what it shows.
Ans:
2.11
